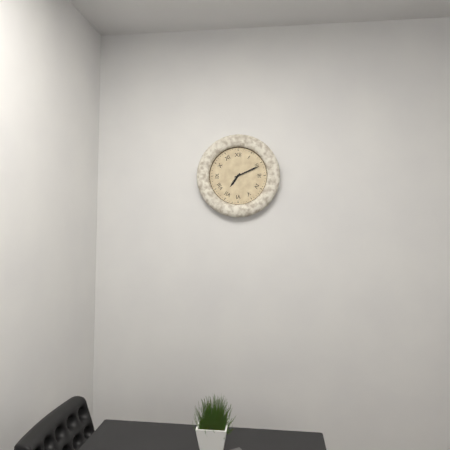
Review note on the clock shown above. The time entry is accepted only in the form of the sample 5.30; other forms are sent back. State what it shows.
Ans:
7.11
